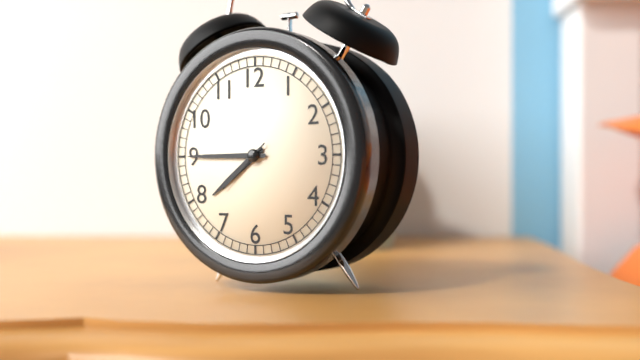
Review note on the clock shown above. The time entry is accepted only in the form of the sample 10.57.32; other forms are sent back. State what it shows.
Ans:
7.45.38
